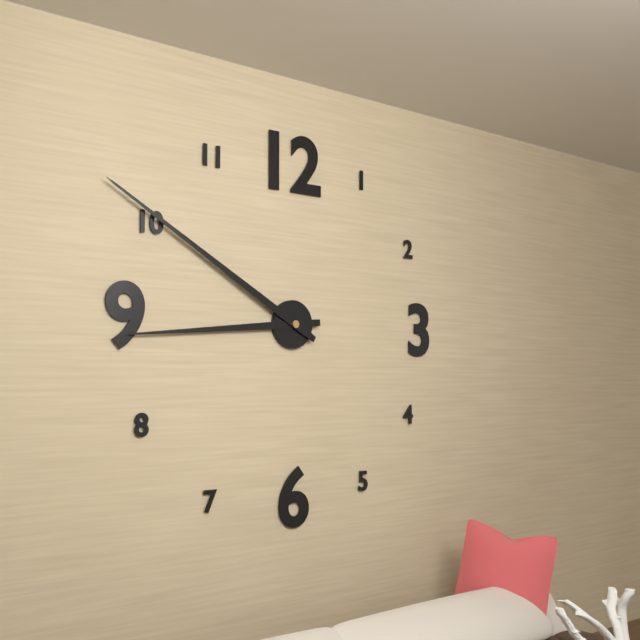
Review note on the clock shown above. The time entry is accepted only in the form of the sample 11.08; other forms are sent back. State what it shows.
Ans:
8.50
